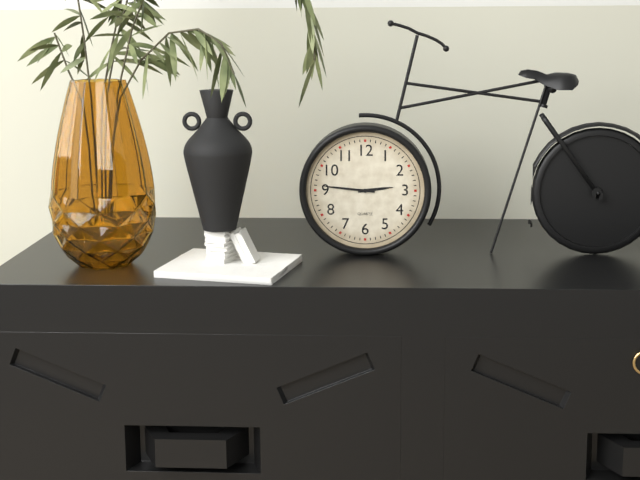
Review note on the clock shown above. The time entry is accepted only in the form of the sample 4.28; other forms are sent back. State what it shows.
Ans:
2.46
